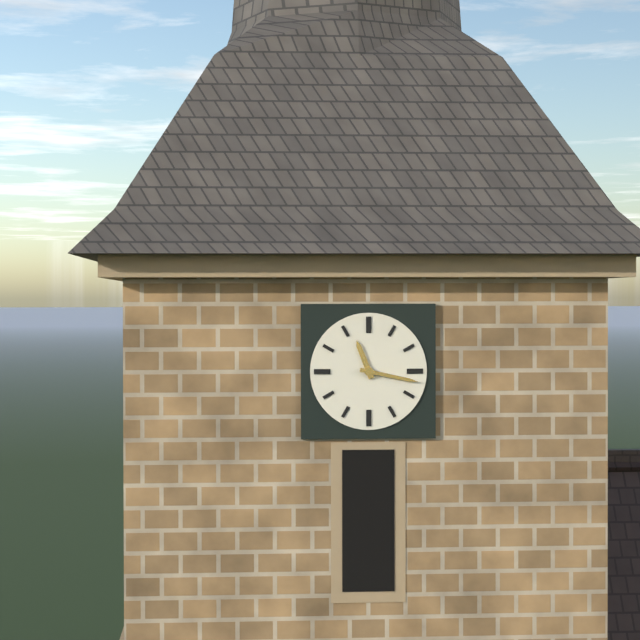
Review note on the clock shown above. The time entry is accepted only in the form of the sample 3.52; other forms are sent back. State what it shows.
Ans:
11.17
